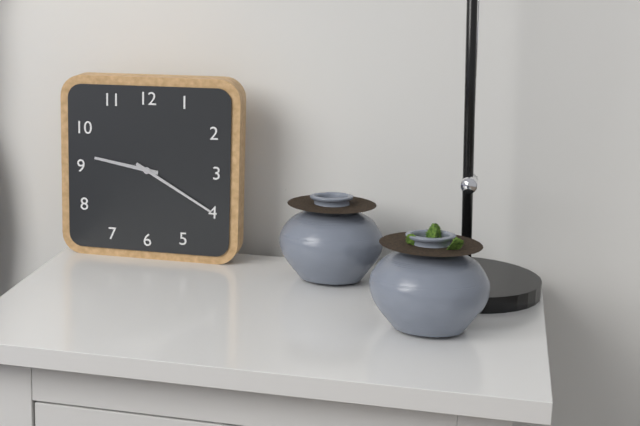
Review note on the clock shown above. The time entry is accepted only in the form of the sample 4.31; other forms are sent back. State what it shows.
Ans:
9.20
